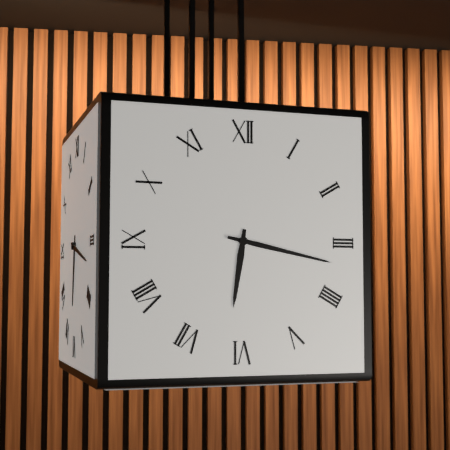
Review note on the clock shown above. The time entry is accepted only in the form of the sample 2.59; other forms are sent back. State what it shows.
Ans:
6.17
